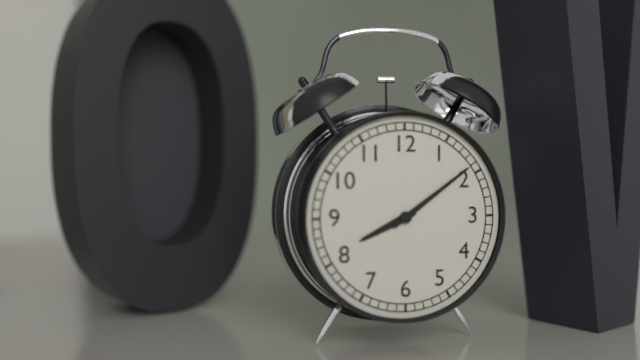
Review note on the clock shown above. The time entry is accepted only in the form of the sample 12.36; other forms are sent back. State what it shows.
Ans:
8.09
